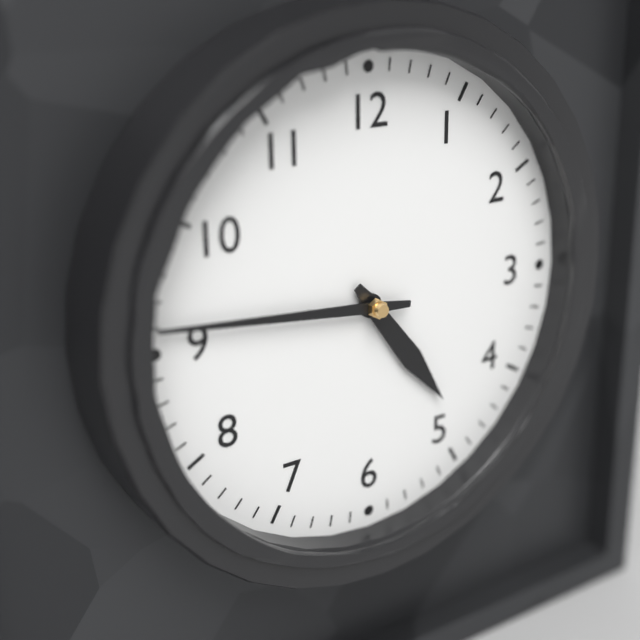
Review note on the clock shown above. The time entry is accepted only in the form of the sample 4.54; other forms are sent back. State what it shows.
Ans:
4.46
